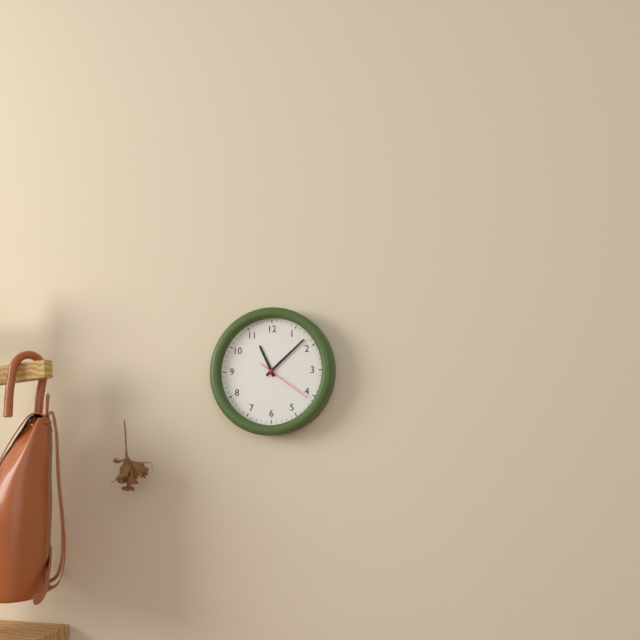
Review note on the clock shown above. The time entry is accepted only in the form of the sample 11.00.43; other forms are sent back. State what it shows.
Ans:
11.08.21
